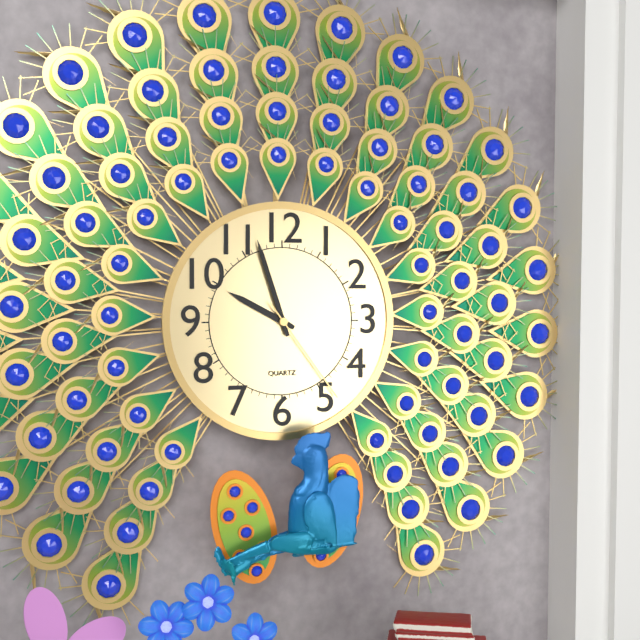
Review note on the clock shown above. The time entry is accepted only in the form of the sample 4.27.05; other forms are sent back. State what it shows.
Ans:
9.57.24
